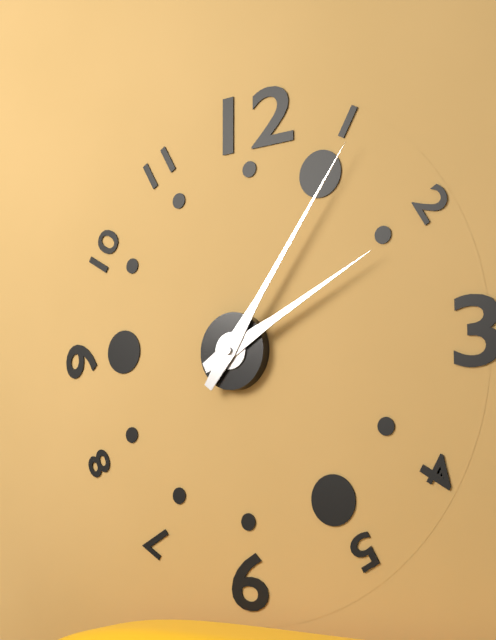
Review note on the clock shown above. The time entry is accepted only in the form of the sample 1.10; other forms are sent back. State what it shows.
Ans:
2.06
